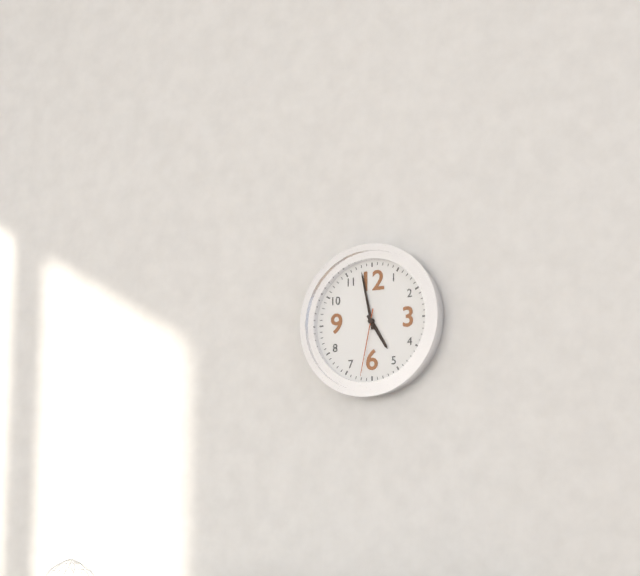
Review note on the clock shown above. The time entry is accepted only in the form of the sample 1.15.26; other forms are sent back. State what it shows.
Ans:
4.58.32
